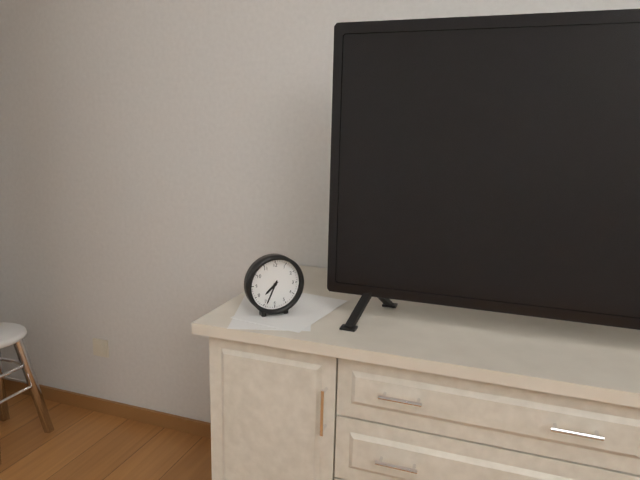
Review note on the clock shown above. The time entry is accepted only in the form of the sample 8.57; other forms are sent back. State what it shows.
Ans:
7.34
